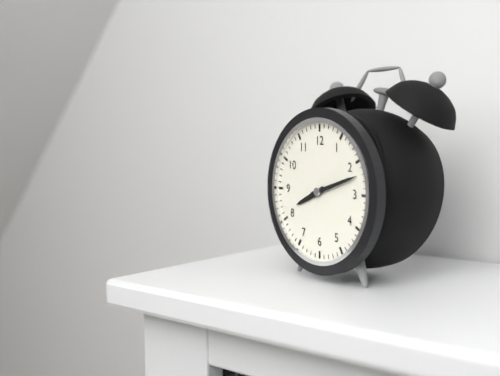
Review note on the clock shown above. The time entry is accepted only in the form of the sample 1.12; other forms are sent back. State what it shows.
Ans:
8.12
